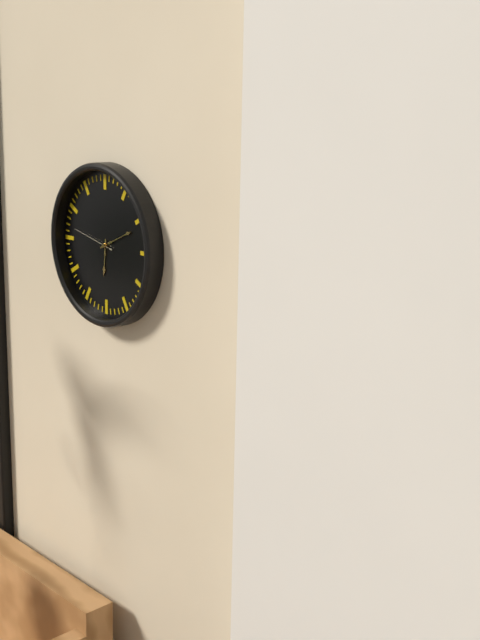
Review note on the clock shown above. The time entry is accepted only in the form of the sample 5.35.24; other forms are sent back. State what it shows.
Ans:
6.11.47
